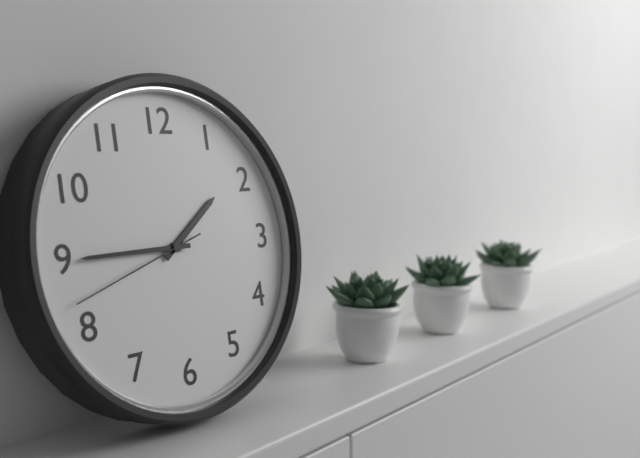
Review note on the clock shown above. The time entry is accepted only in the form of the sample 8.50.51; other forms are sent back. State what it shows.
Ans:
1.45.42
